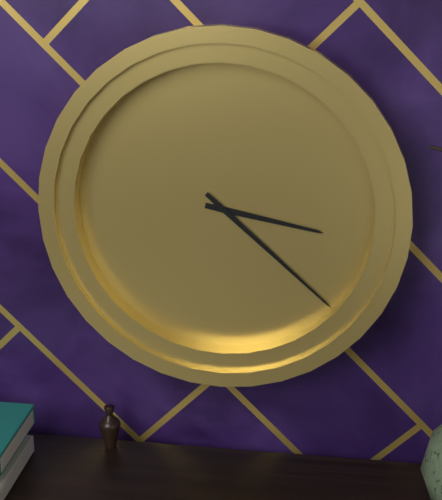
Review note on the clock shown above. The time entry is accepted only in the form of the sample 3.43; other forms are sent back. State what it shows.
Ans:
3.22
